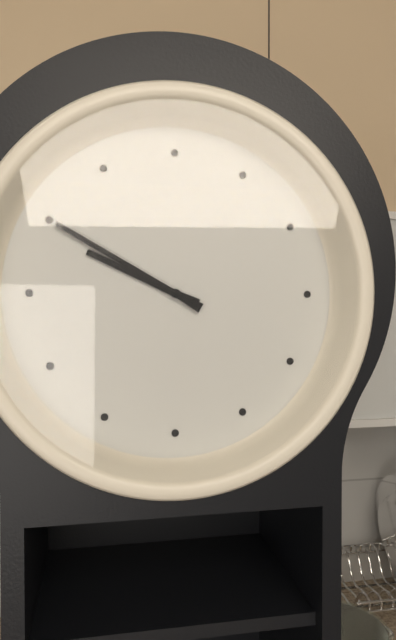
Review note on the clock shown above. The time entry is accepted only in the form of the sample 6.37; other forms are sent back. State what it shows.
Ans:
9.50
